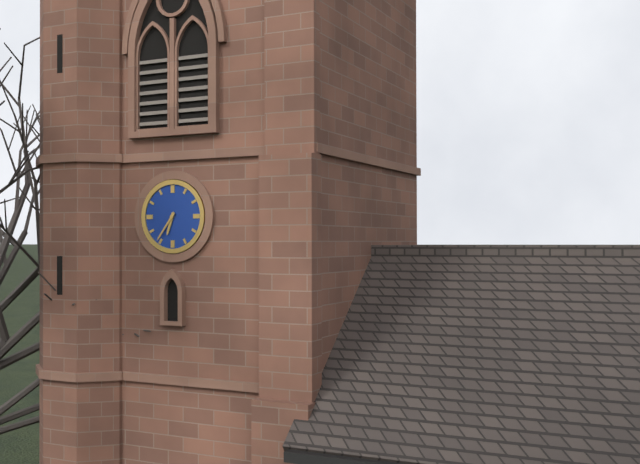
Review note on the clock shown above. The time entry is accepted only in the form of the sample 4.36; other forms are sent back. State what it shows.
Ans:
6.36
